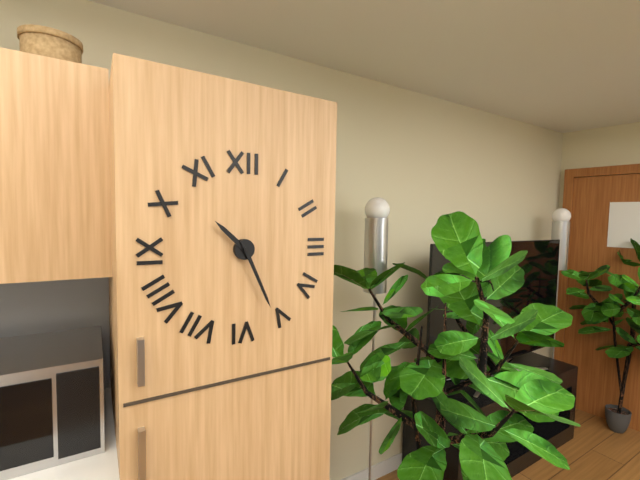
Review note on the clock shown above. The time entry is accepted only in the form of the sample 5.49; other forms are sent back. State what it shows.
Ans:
10.26
